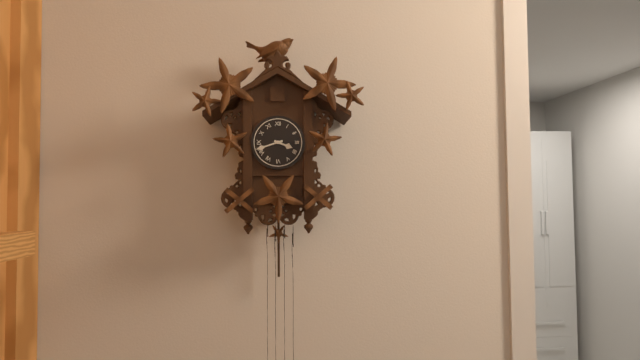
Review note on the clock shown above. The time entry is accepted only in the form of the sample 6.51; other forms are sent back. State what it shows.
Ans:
3.42
